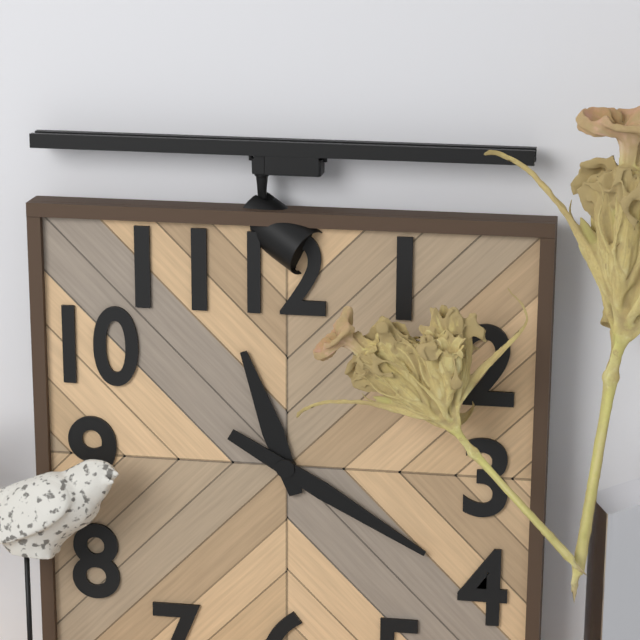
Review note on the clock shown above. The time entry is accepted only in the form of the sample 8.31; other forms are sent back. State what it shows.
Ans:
11.20
